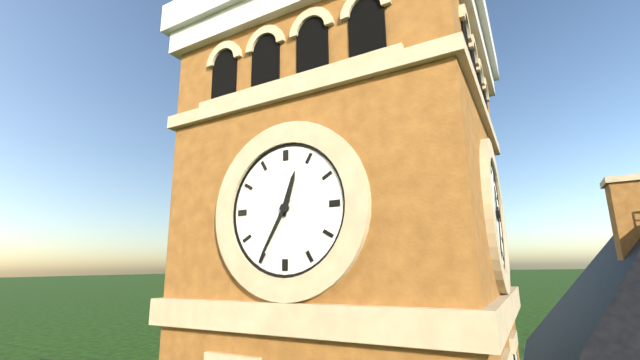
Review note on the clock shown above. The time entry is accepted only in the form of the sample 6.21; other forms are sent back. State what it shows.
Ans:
12.35
